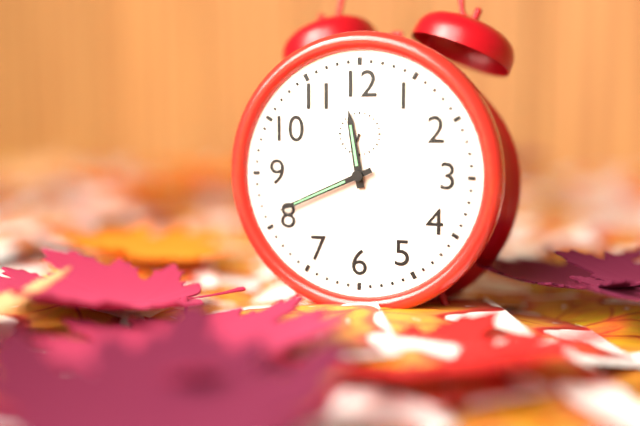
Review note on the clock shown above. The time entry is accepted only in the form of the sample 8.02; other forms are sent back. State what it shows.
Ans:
11.41
